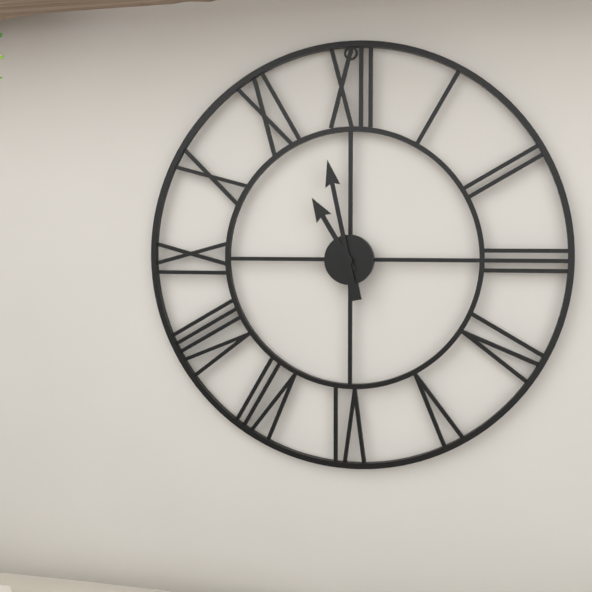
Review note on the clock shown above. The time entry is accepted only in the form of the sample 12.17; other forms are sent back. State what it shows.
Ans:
10.58
